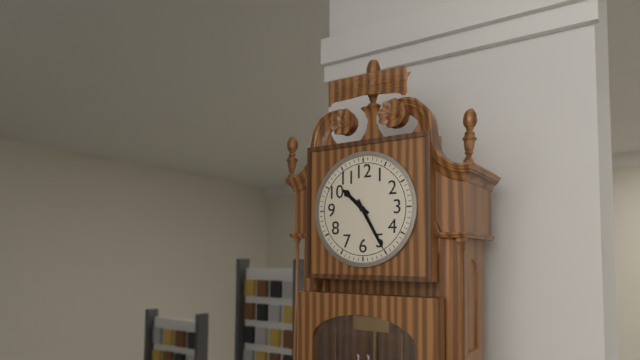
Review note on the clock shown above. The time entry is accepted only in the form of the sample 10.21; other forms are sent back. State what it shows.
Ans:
10.25
